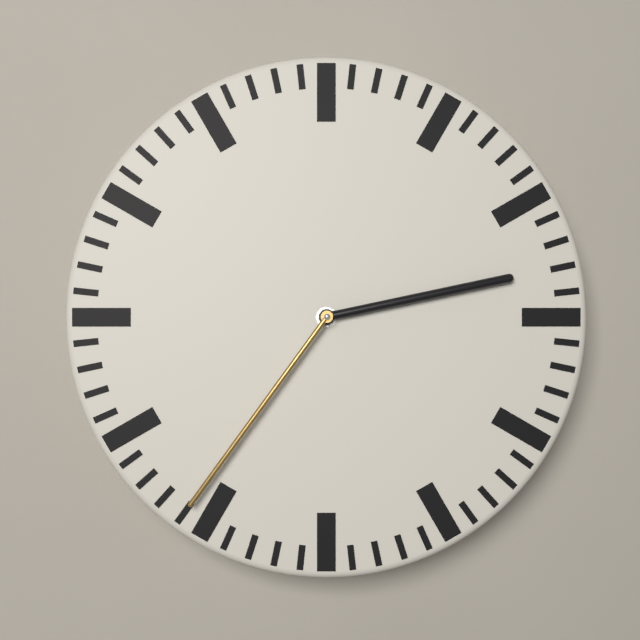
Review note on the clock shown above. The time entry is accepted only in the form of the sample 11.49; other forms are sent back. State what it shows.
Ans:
2.36
